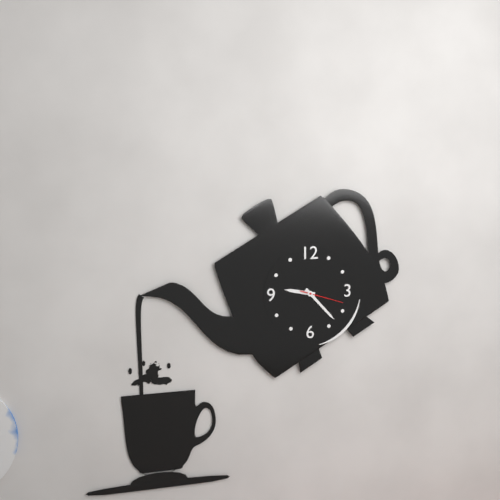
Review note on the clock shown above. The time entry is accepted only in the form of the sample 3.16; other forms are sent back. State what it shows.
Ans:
9.23
